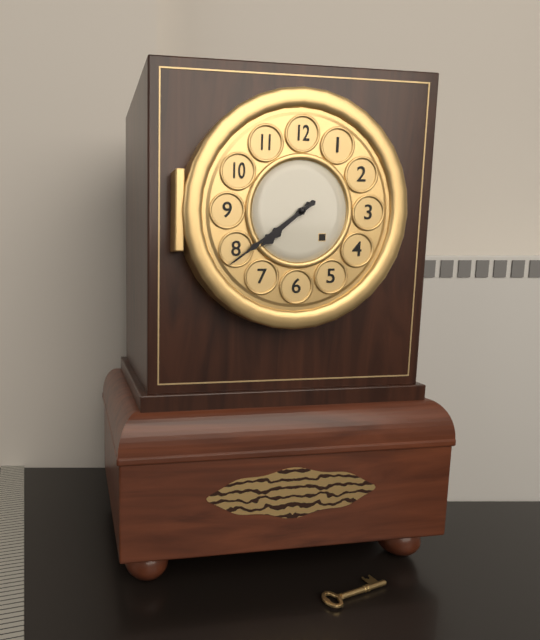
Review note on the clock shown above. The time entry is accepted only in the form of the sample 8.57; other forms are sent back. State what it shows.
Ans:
7.39
